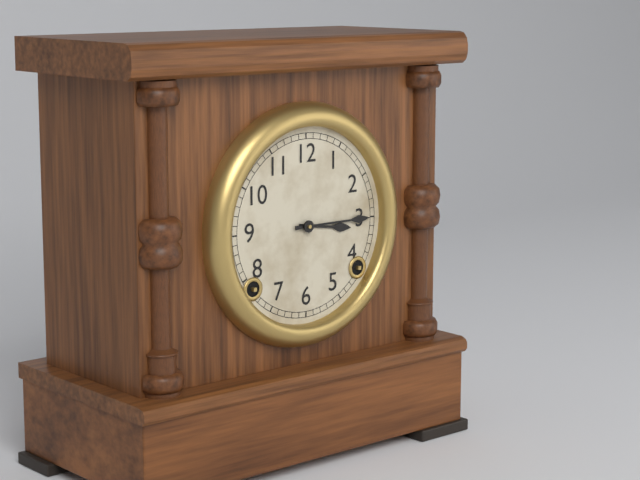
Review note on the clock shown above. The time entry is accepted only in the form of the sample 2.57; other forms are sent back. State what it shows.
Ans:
3.15
